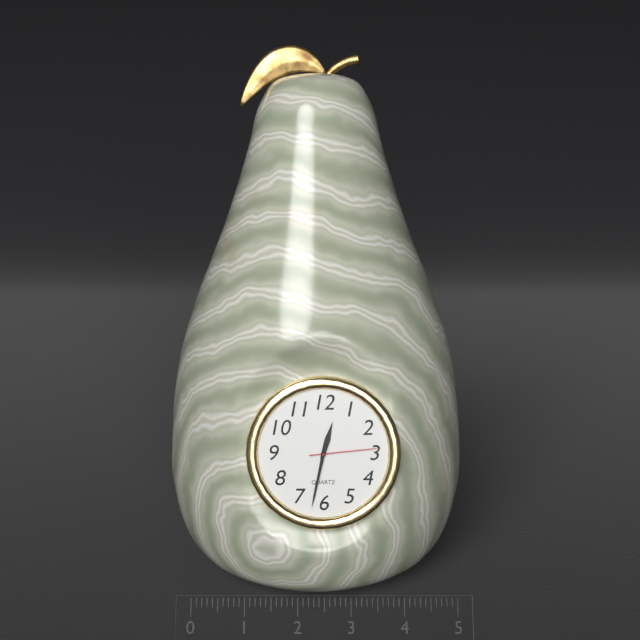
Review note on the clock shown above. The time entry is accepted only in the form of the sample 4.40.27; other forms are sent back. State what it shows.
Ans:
12.32.14
